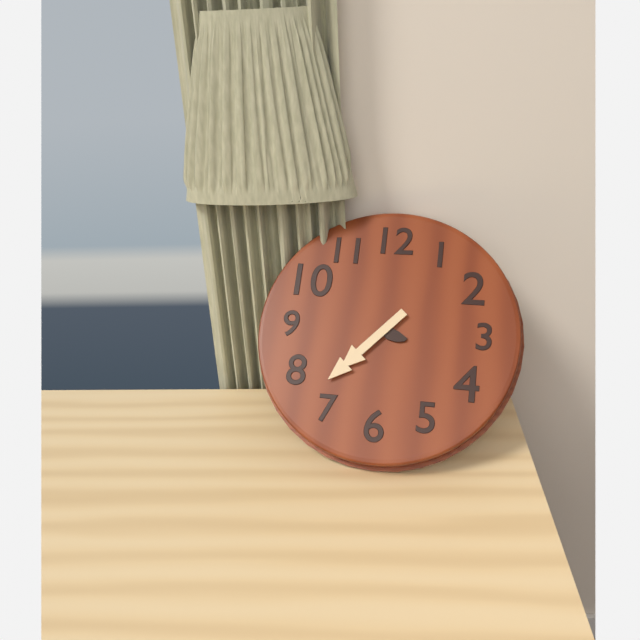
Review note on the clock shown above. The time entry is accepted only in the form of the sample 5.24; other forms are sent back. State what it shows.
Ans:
3.37
